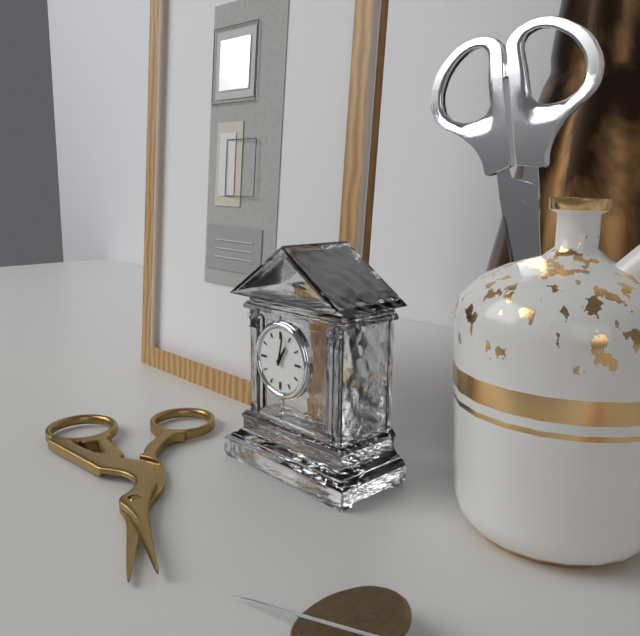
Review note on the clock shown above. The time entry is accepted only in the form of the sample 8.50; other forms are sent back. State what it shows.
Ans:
1.02
